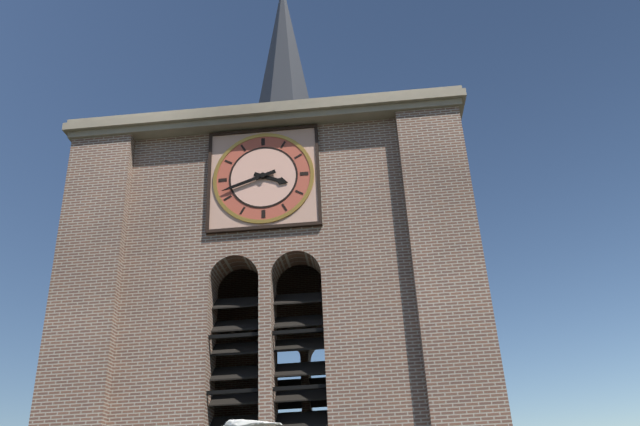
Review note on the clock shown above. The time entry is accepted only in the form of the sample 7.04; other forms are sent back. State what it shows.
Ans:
3.42
